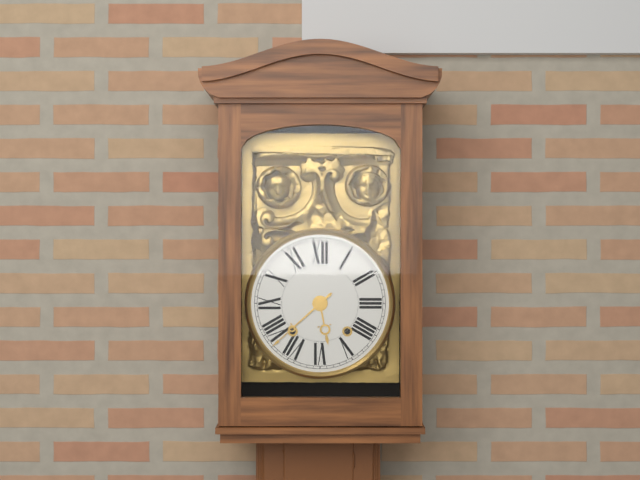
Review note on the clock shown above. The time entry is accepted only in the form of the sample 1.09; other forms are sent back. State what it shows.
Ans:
5.38
